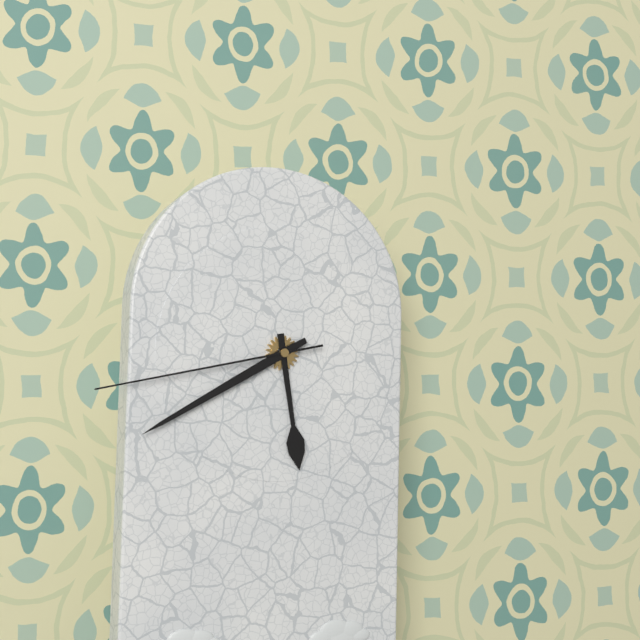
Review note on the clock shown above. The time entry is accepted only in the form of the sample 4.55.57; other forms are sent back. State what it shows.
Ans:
5.40.43
